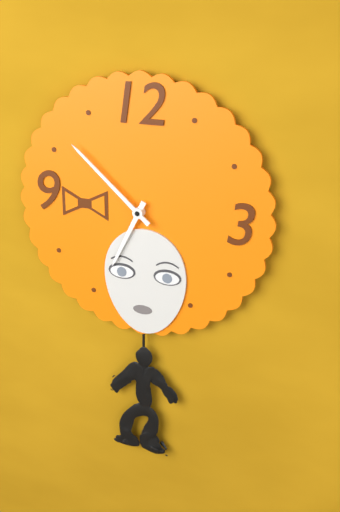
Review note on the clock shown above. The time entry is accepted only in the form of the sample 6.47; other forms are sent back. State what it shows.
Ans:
6.52
